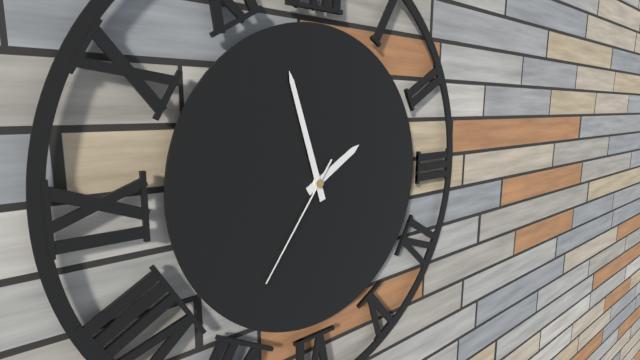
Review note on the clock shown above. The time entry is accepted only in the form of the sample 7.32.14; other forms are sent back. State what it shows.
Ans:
1.57.36
